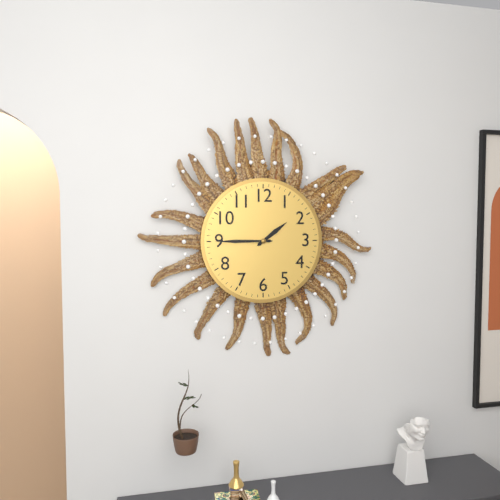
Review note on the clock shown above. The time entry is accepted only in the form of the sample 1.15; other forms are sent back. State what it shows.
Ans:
1.45
